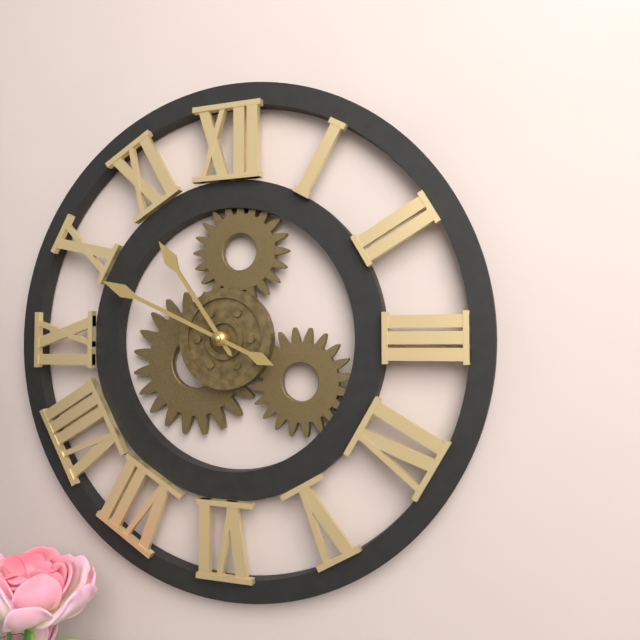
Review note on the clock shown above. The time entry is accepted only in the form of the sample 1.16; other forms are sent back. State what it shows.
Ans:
10.49
